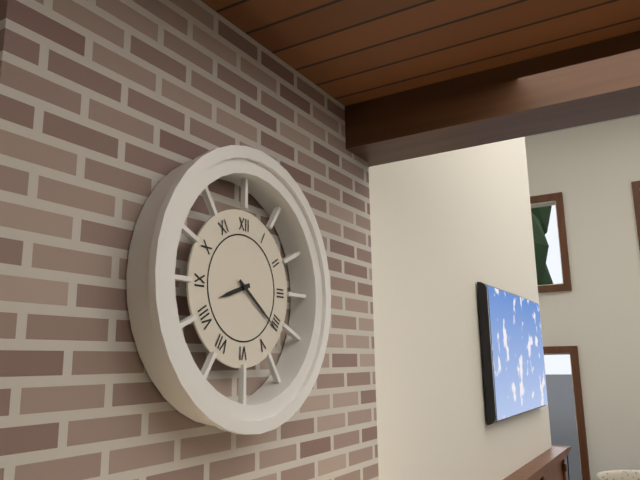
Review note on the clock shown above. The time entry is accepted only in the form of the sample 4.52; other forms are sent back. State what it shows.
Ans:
8.21
